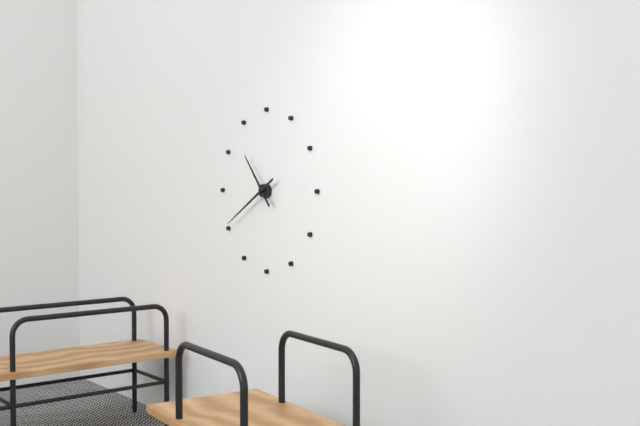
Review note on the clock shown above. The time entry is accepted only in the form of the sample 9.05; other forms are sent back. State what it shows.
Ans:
10.40
